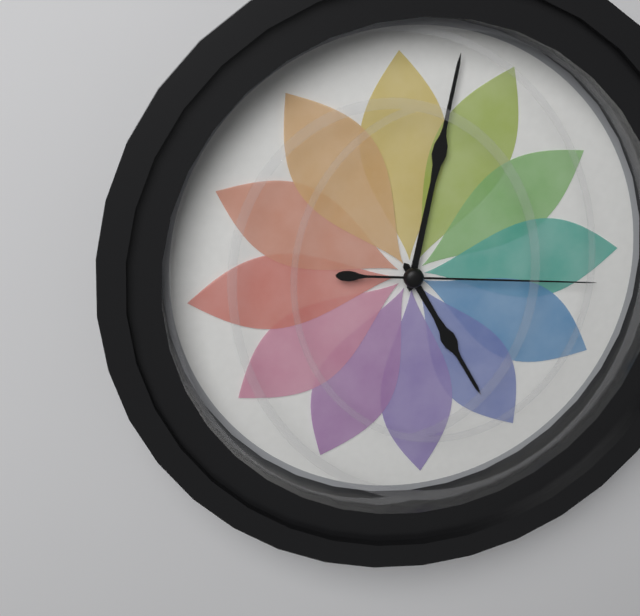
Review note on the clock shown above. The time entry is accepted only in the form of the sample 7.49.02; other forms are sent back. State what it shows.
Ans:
5.02.16
